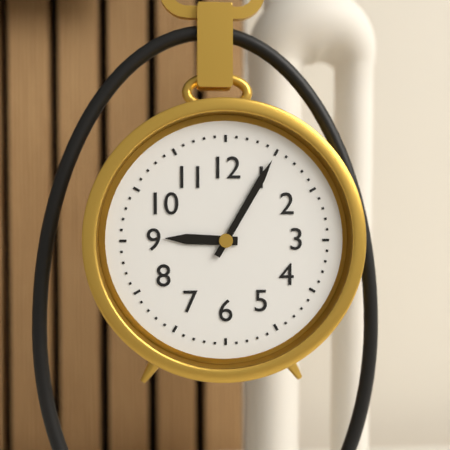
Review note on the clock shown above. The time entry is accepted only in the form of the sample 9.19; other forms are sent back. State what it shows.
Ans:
9.05
